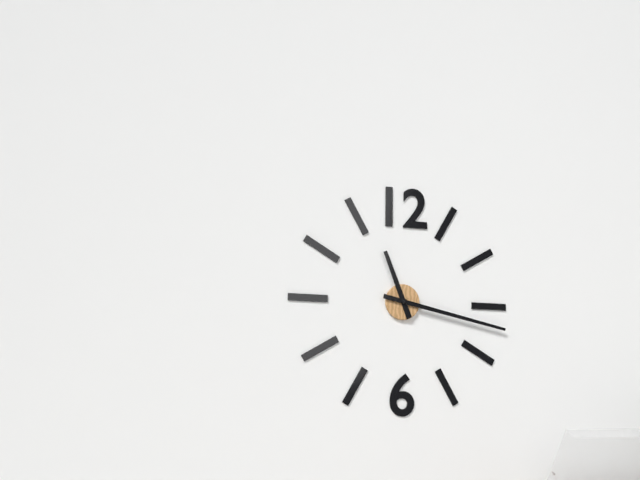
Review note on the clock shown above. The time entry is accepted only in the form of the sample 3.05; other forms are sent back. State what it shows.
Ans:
11.17
